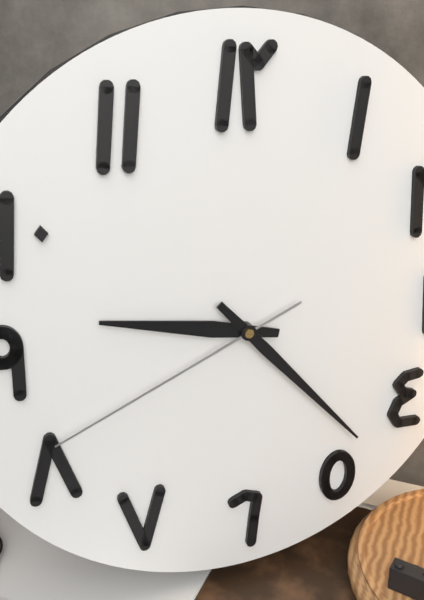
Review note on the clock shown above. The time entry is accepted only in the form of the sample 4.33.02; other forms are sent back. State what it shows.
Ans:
9.23.41
